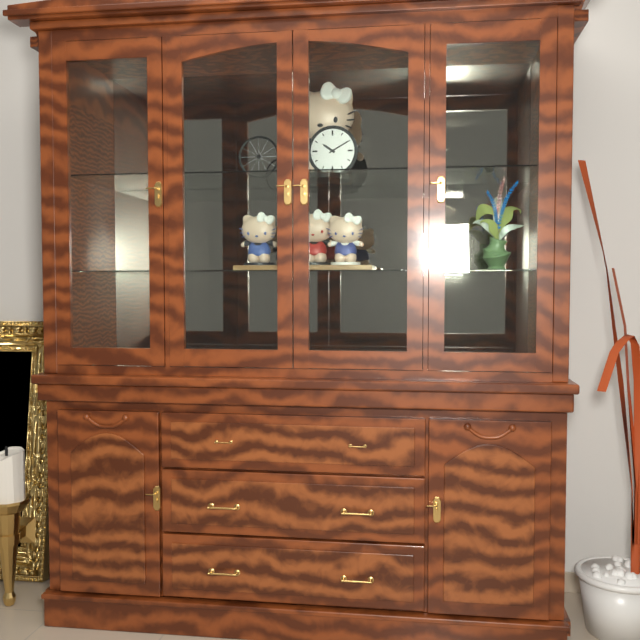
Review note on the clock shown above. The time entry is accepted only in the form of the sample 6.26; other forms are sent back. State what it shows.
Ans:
10.10
